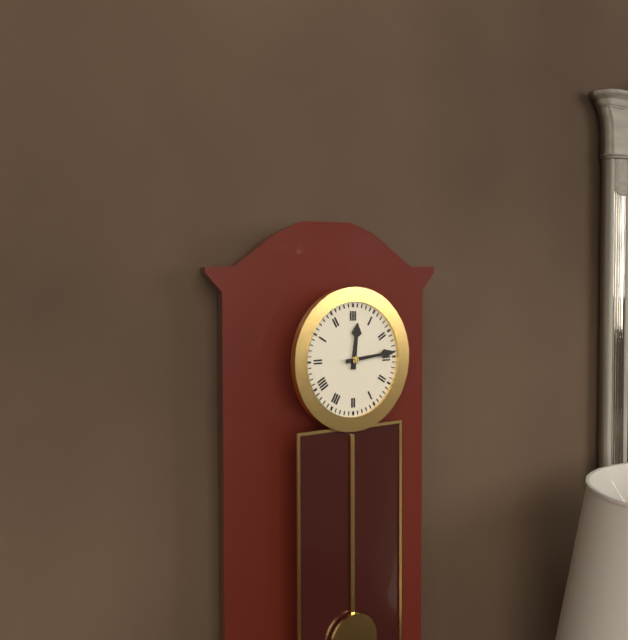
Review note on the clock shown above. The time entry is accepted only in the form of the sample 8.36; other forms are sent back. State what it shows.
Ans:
12.14
